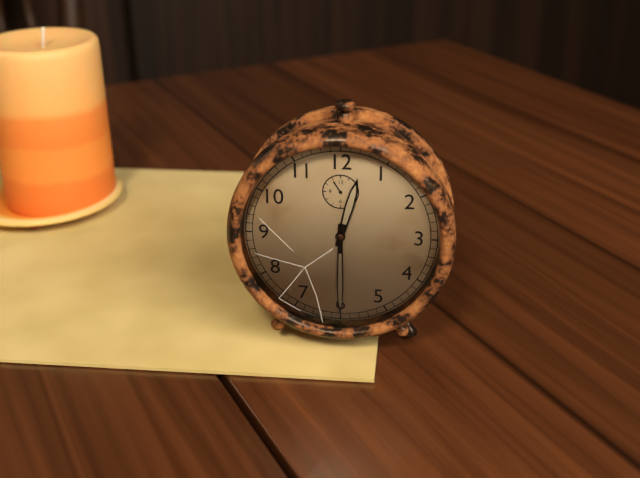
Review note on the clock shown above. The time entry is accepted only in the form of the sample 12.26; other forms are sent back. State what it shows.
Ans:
12.30
